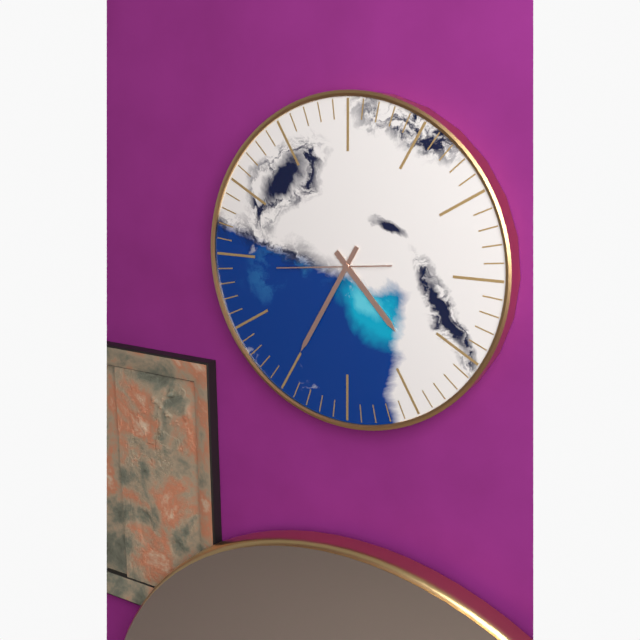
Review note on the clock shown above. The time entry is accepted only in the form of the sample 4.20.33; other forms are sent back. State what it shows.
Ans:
4.35.44
